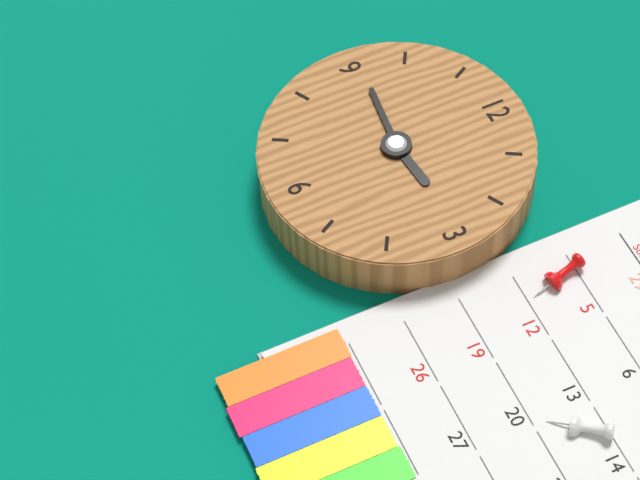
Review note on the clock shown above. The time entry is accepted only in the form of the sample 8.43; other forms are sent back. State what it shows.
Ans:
2.46
